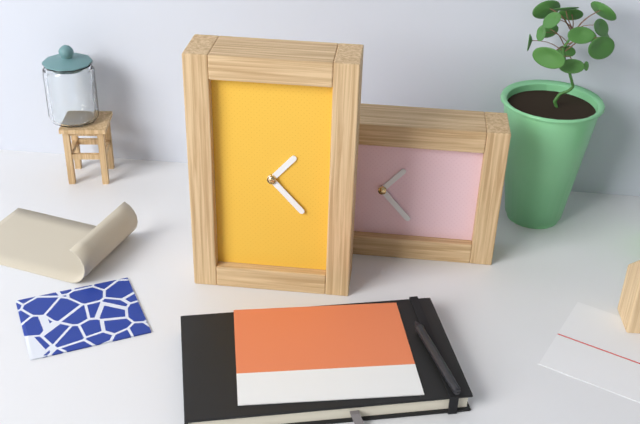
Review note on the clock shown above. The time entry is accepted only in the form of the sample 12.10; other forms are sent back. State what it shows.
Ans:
1.23
